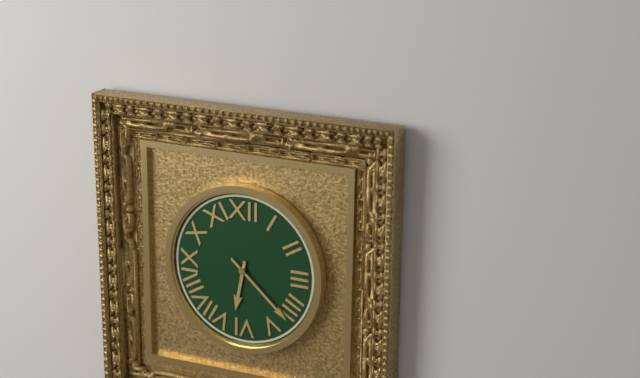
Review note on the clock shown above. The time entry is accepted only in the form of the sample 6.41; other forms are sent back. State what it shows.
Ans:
6.22
